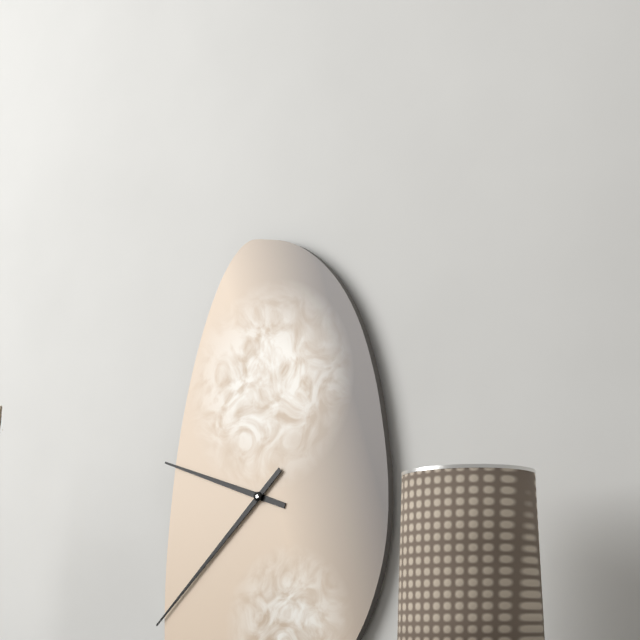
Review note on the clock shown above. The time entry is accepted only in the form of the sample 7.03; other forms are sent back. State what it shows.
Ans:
9.38
